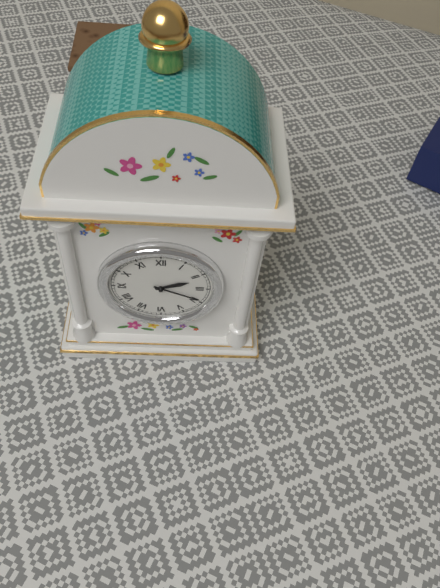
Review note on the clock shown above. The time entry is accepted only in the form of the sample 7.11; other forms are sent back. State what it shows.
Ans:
2.19
